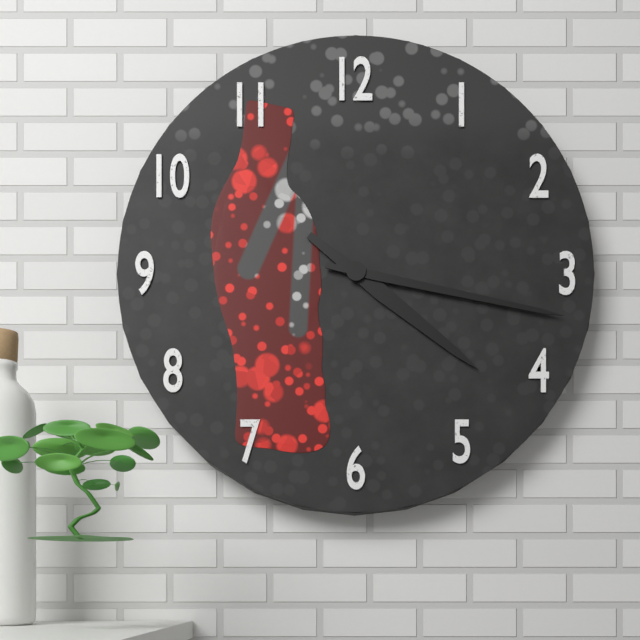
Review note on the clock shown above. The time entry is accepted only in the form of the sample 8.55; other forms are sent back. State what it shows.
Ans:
4.17
